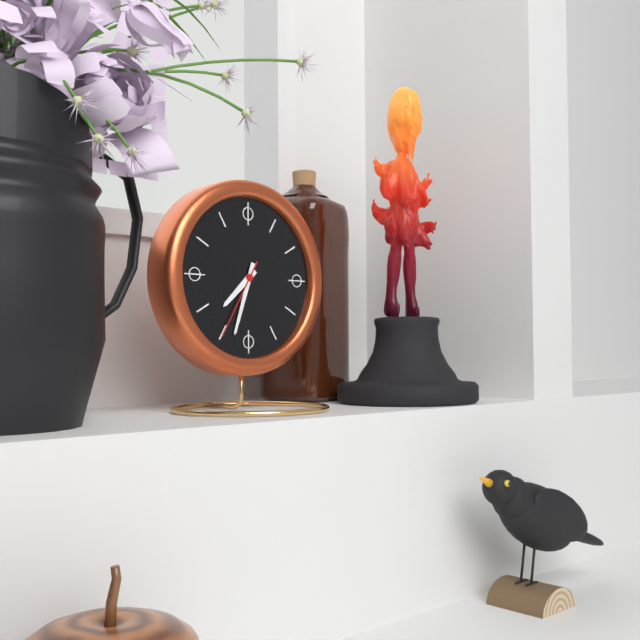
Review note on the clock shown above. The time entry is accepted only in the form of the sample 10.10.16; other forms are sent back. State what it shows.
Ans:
7.33.35
